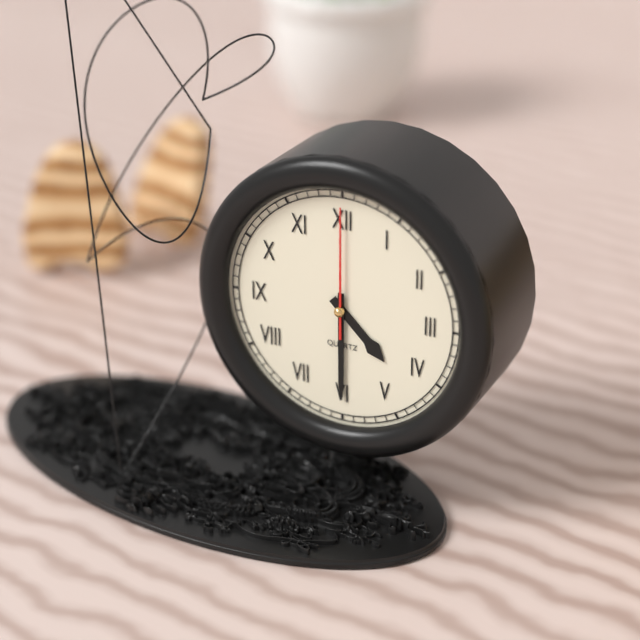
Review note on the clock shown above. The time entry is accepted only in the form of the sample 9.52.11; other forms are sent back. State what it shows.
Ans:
4.30.00
